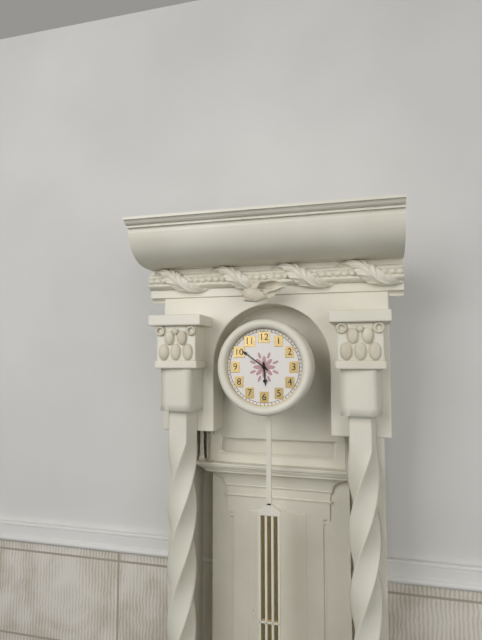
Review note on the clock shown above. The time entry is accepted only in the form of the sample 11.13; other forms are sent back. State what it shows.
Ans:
5.51
